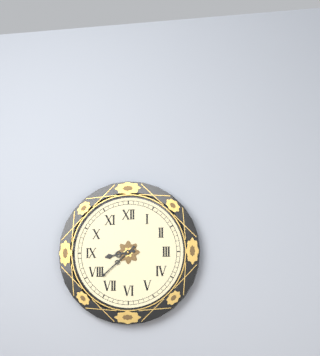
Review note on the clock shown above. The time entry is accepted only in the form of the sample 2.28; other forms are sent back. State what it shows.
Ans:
8.38
